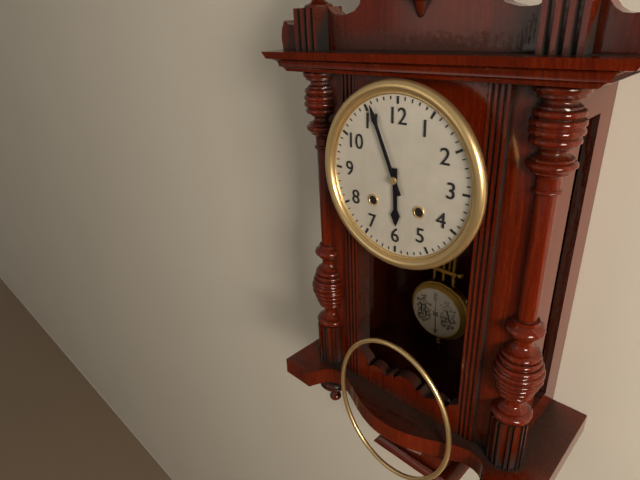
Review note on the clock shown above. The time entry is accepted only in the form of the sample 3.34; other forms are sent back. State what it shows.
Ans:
5.56
